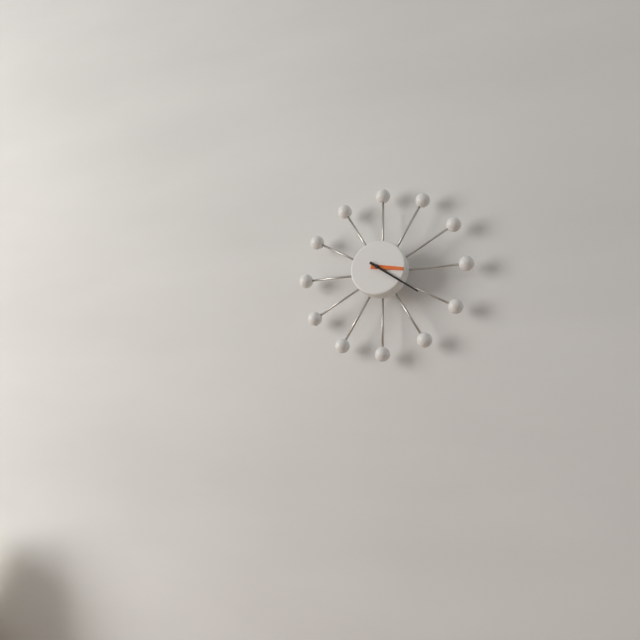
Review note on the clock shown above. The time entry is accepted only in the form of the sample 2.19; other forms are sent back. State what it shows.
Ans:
3.21
